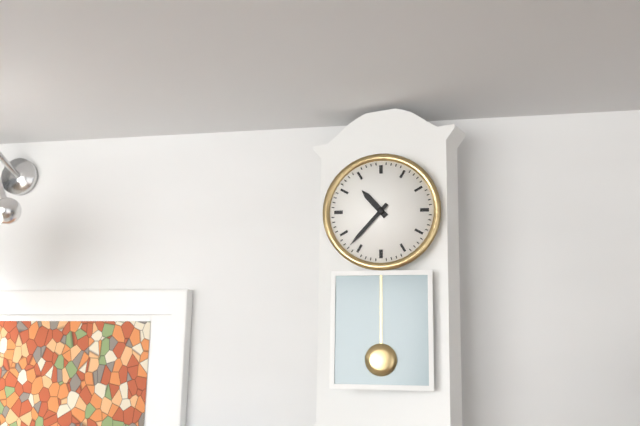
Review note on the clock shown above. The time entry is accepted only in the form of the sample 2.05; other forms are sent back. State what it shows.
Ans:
10.37
